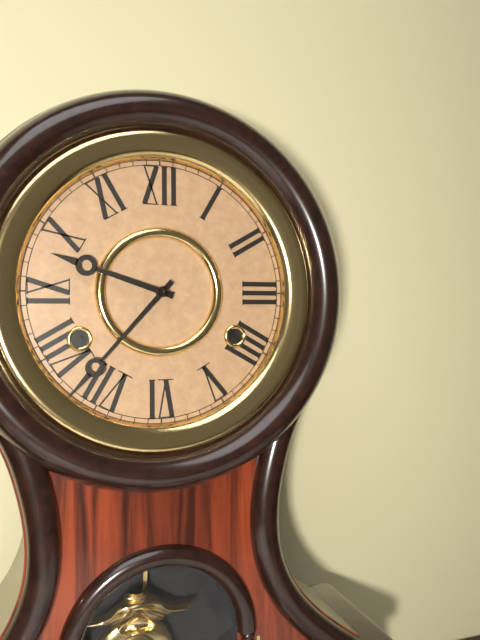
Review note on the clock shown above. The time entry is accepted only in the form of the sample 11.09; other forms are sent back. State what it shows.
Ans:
9.37
